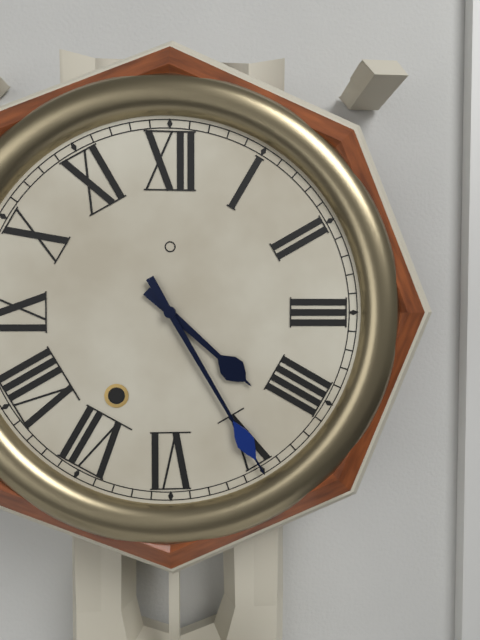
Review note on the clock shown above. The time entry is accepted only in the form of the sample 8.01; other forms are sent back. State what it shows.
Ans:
4.25
